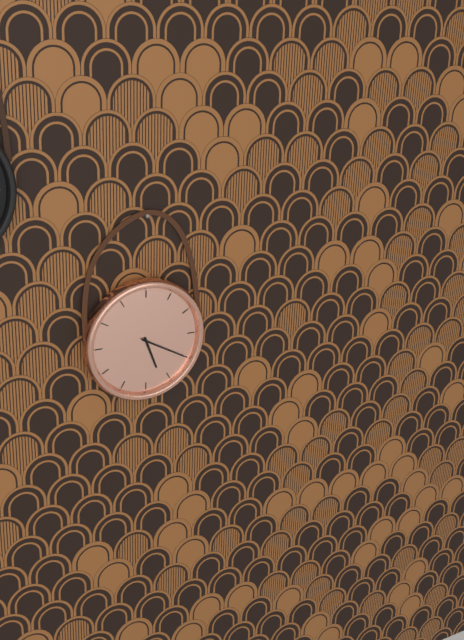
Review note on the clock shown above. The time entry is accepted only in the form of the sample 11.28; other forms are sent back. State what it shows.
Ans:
5.20
